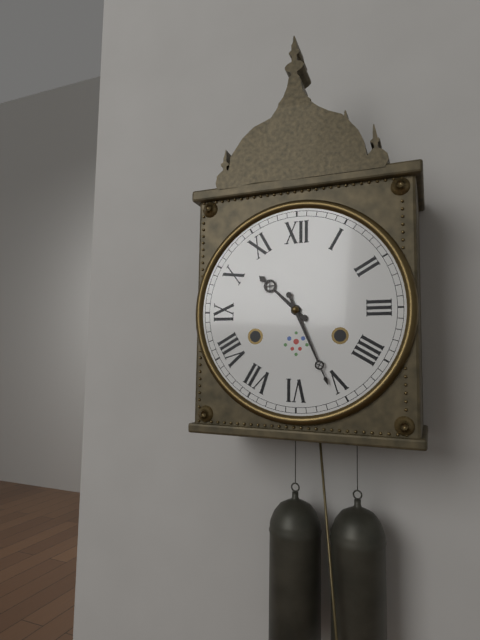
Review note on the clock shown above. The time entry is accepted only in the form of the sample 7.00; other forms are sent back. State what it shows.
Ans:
10.26
